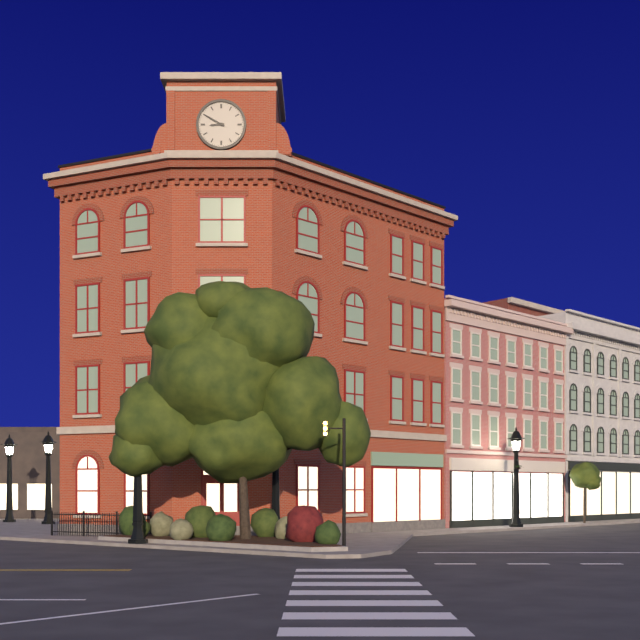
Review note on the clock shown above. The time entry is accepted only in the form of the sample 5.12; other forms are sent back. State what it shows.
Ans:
8.50
